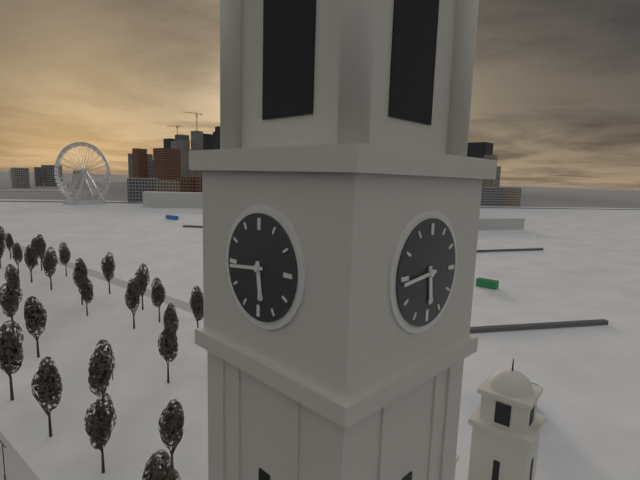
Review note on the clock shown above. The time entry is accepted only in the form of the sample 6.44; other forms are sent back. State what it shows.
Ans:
5.44
